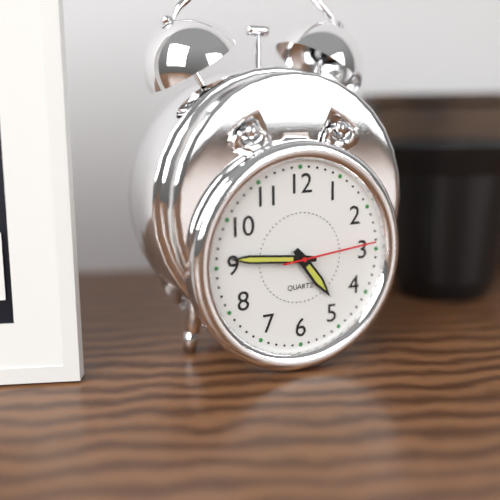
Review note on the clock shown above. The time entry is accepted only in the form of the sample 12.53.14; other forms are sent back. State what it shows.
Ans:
4.46.14
